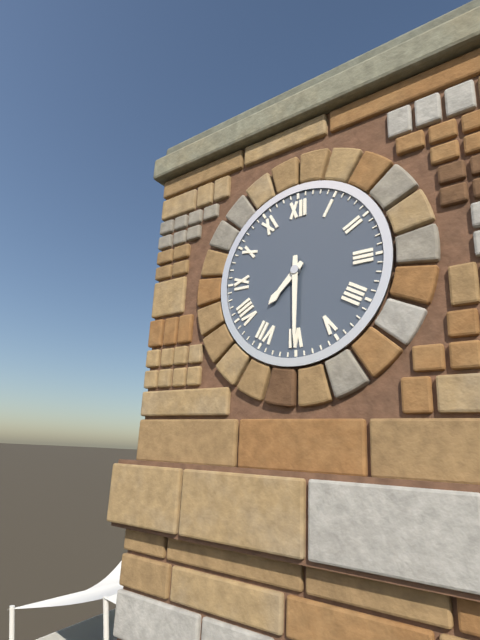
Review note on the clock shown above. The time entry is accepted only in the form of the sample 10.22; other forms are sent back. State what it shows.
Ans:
7.30
